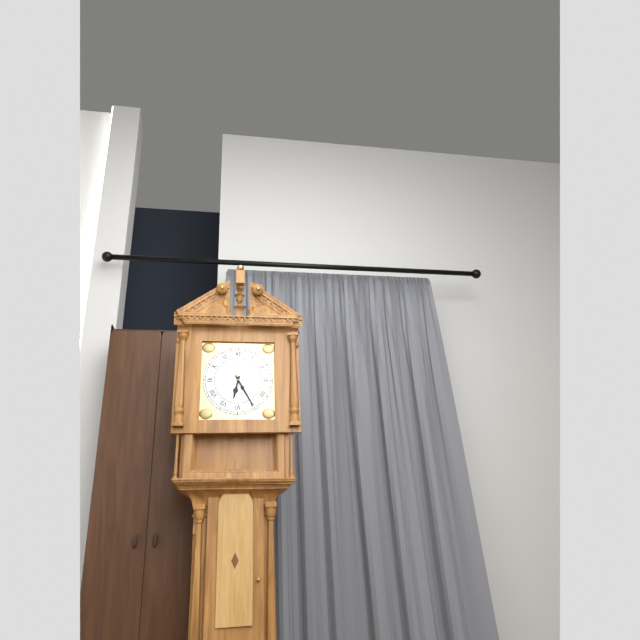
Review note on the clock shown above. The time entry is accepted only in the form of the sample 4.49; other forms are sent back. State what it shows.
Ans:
6.25
